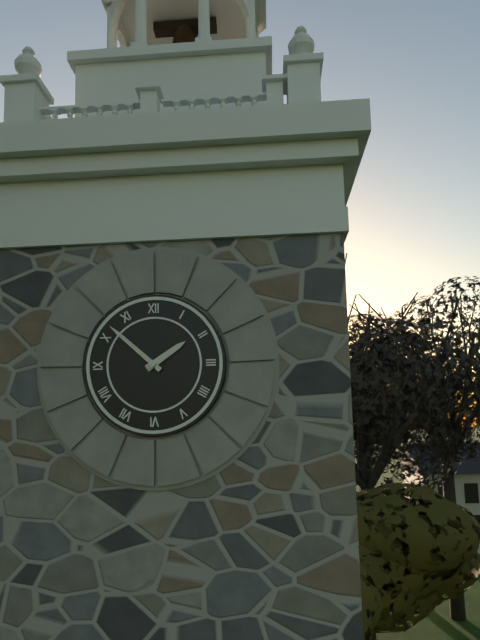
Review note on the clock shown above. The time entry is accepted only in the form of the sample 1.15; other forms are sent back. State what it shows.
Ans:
1.52
